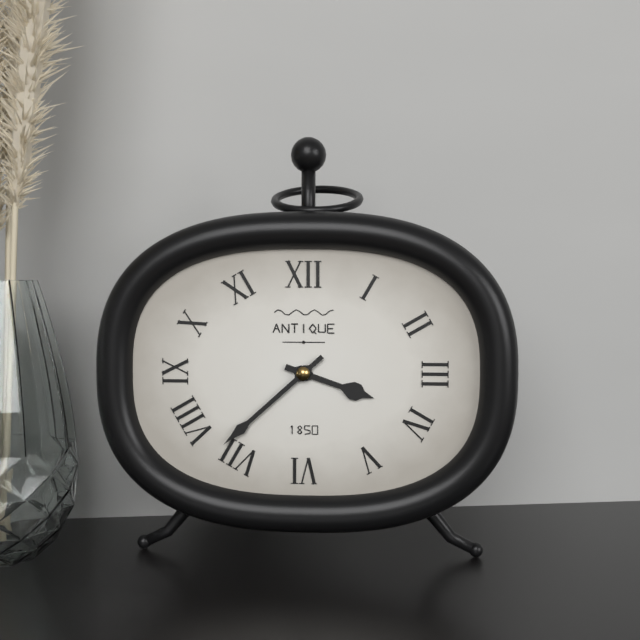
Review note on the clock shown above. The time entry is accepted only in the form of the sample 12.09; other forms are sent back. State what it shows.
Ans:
3.38
